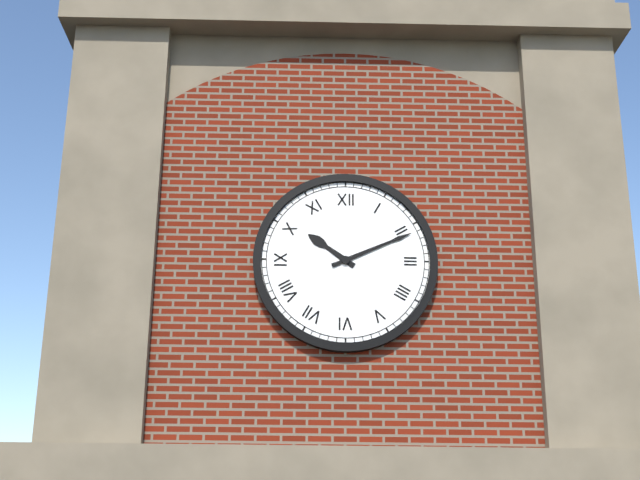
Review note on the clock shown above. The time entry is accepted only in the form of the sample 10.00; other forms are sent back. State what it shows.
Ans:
10.11
